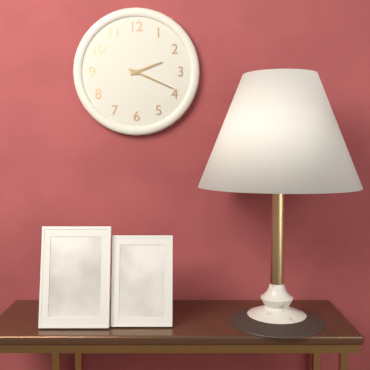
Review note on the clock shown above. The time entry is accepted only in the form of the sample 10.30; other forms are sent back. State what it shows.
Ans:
2.19
